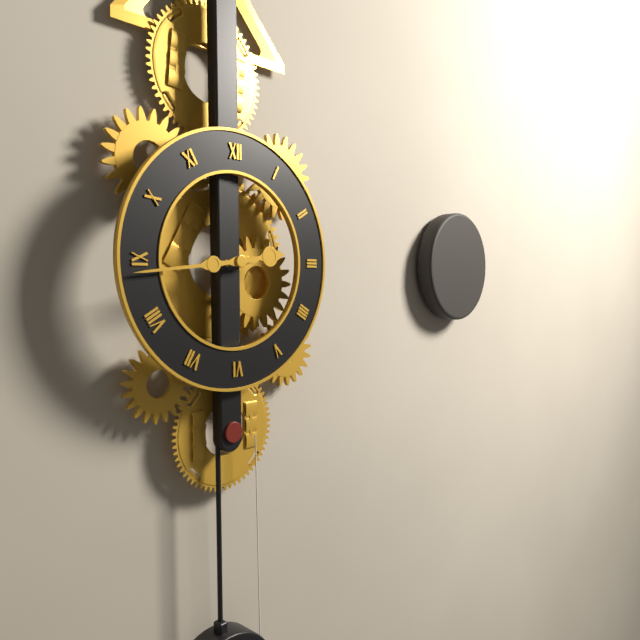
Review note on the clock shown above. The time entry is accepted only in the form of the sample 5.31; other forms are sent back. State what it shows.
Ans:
2.44
